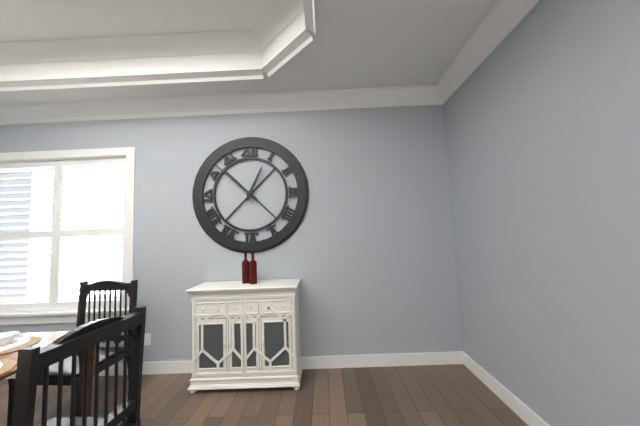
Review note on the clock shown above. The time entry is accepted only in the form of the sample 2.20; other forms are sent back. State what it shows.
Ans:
12.52
